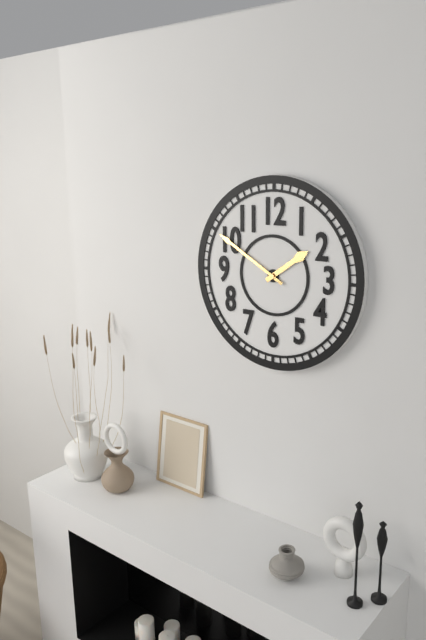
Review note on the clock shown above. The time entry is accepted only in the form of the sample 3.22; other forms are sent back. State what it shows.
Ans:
1.50
